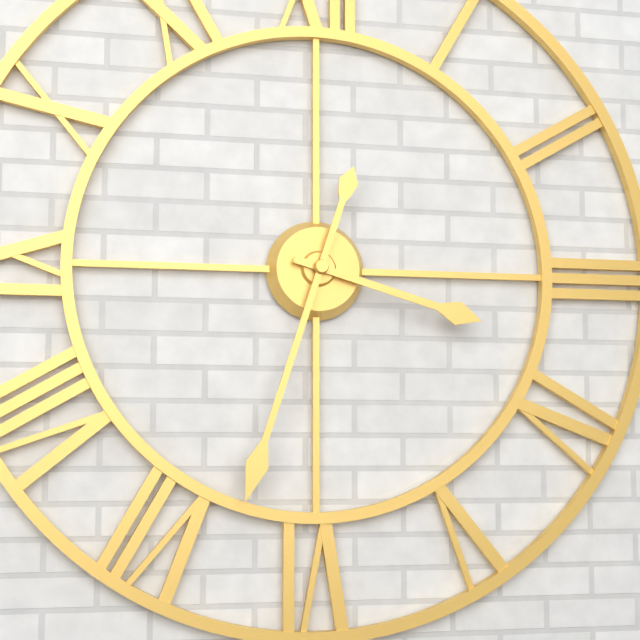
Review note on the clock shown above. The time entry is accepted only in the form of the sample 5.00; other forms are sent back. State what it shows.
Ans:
3.33
